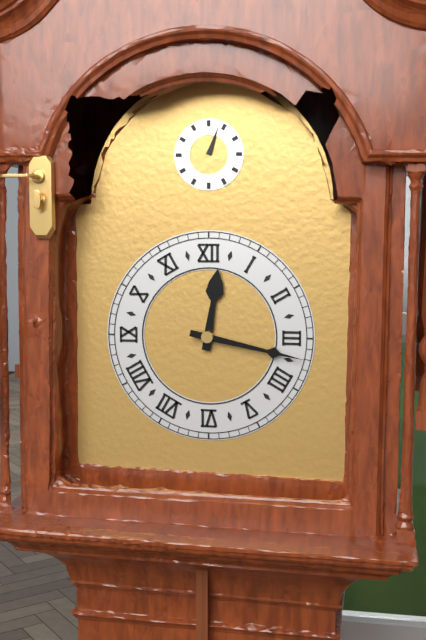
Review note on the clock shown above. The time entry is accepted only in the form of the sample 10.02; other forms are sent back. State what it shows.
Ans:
12.17
